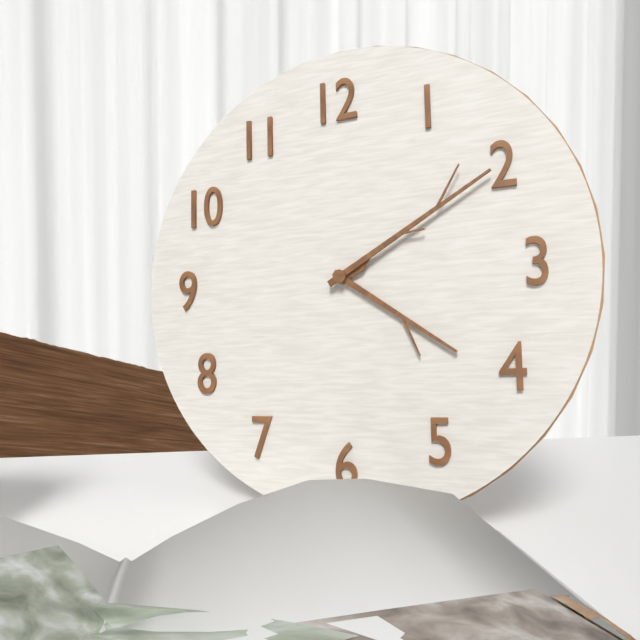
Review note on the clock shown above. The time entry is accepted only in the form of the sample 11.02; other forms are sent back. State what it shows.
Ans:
4.10
